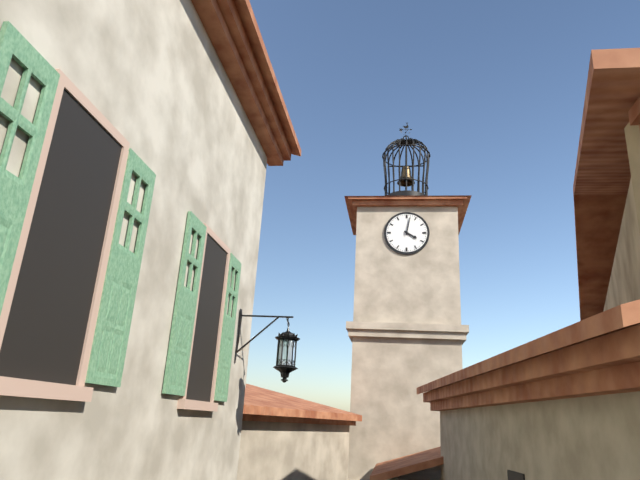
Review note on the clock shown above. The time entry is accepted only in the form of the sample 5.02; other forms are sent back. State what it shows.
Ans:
4.02
